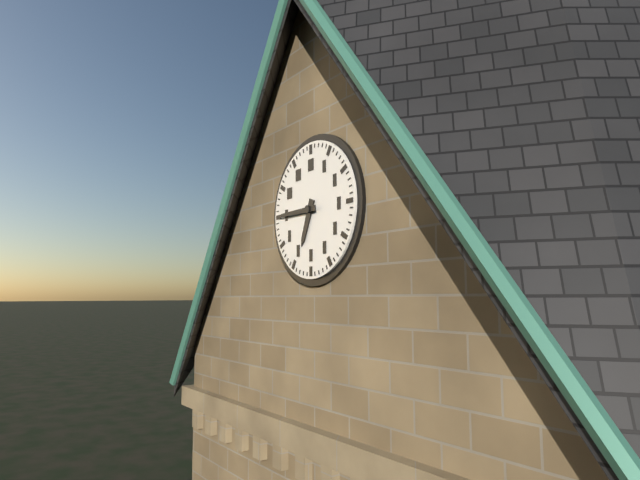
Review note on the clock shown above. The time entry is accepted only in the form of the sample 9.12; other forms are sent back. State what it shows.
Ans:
6.45
